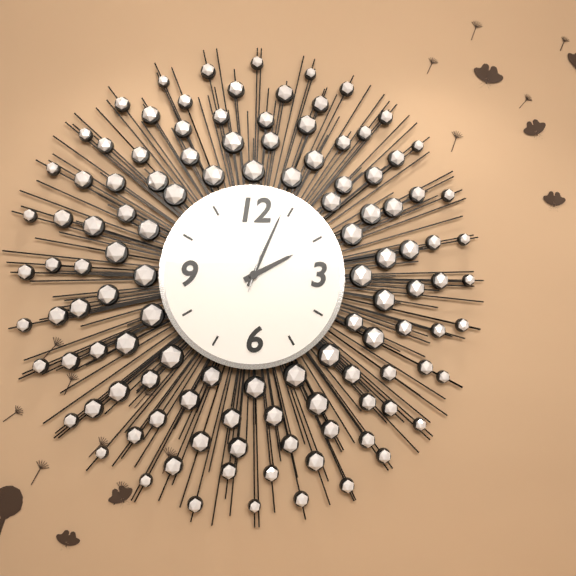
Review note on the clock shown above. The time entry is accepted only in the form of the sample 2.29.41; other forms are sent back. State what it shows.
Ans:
2.04.03
